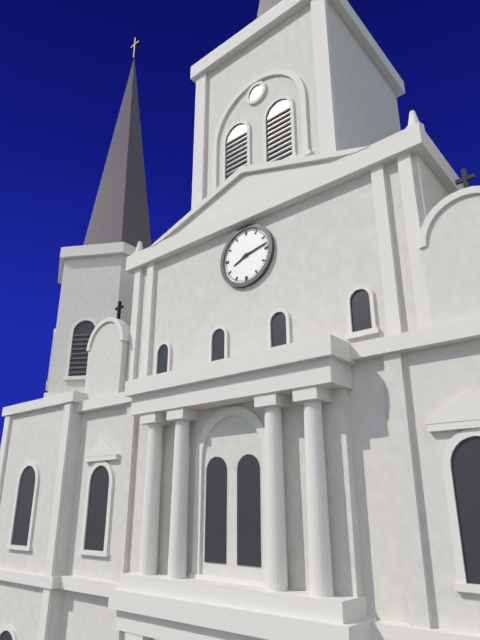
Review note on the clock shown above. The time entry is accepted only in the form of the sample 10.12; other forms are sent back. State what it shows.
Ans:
8.13
